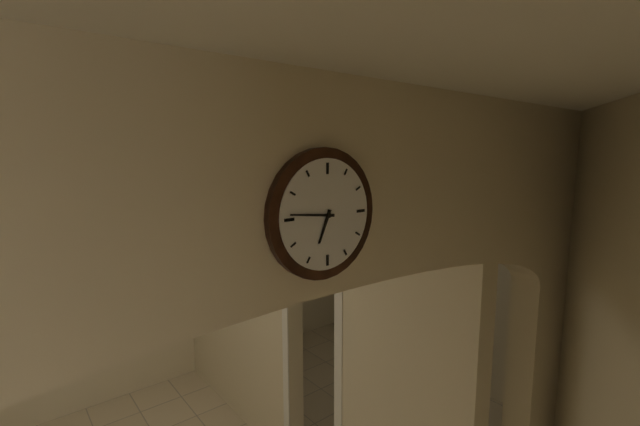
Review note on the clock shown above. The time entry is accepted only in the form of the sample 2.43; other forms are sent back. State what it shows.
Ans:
6.46
